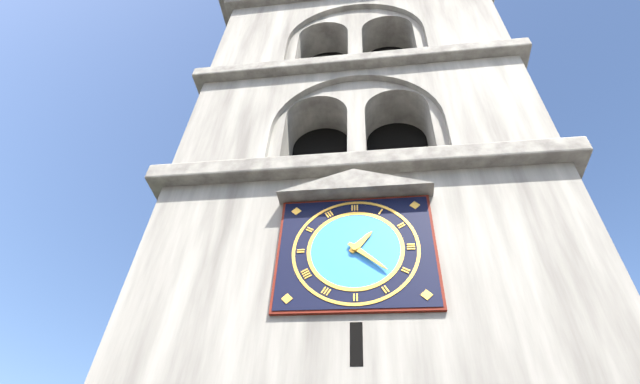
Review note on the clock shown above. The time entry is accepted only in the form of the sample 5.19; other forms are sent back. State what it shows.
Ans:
1.22
